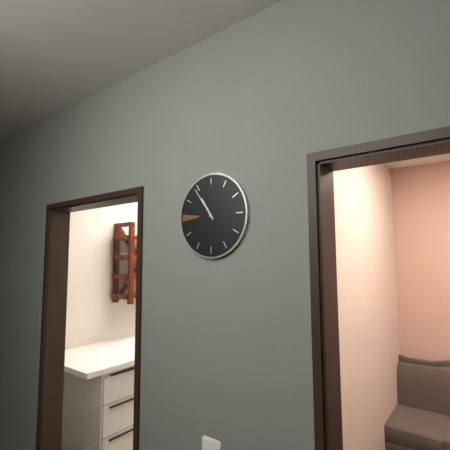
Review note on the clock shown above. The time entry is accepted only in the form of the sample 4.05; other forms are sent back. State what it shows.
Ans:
10.54
